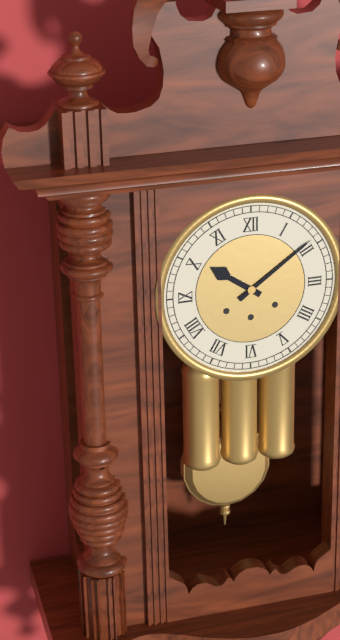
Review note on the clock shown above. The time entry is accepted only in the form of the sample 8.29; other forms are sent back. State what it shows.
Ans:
10.09
